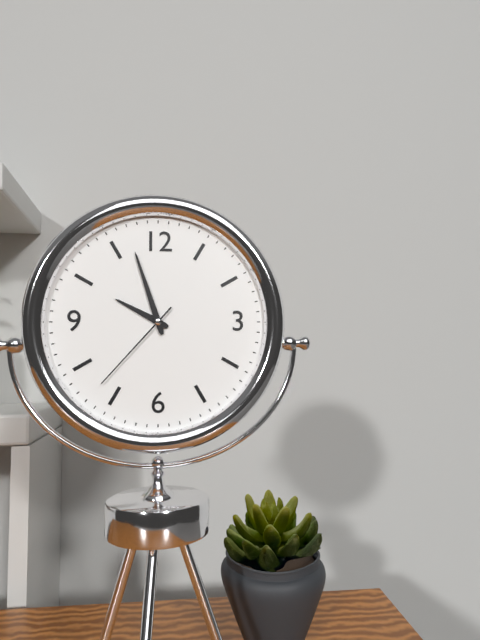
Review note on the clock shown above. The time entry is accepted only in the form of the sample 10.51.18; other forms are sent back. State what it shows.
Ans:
9.57.37
